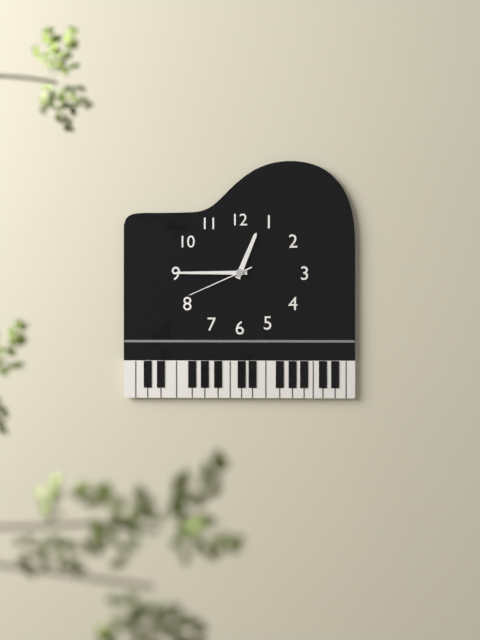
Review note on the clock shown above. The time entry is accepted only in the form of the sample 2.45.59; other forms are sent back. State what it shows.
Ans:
12.45.41
